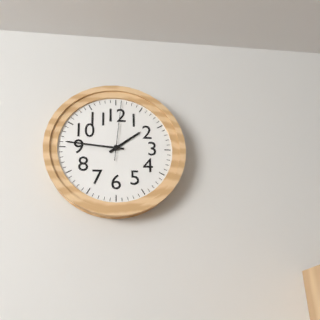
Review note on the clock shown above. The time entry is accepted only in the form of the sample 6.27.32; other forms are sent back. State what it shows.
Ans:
1.46.01
